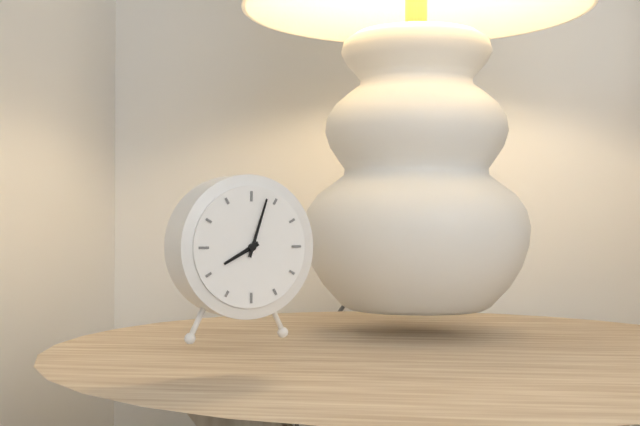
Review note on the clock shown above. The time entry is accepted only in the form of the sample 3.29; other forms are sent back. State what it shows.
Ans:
8.03
